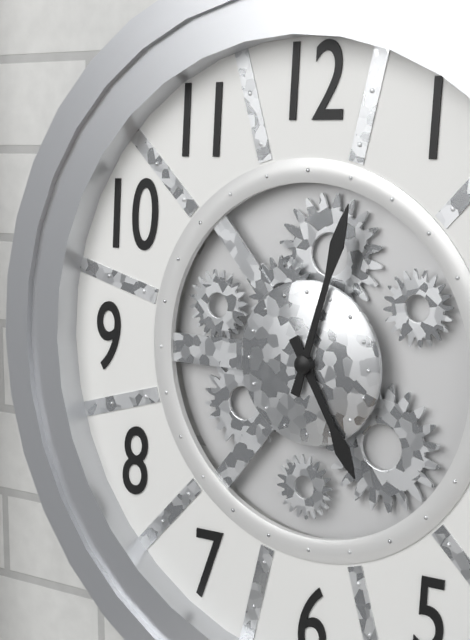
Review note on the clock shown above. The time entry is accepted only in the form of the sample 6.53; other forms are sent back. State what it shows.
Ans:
5.03
